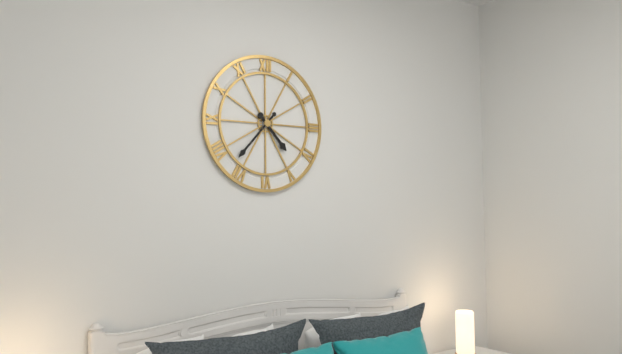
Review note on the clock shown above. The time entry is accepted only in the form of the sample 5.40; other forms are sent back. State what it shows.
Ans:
4.37
